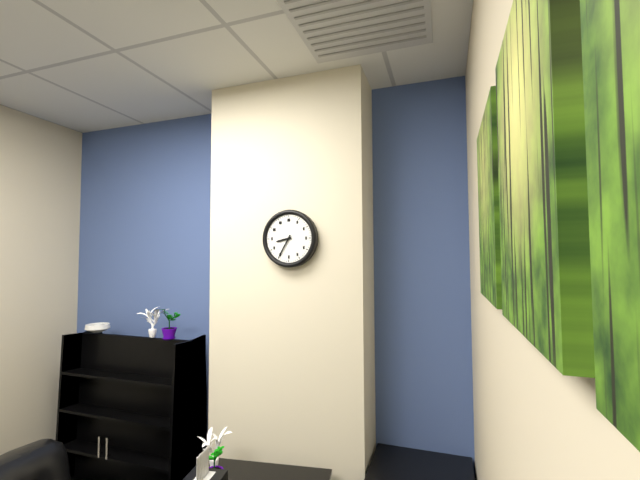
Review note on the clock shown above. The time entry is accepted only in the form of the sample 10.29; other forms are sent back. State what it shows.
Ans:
8.35
